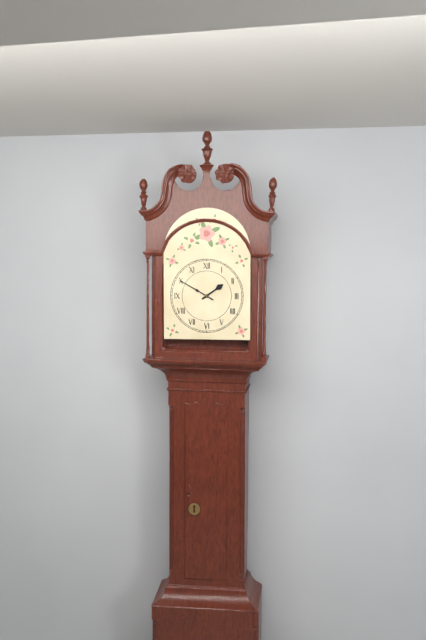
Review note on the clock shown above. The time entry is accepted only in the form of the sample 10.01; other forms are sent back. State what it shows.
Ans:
1.50
